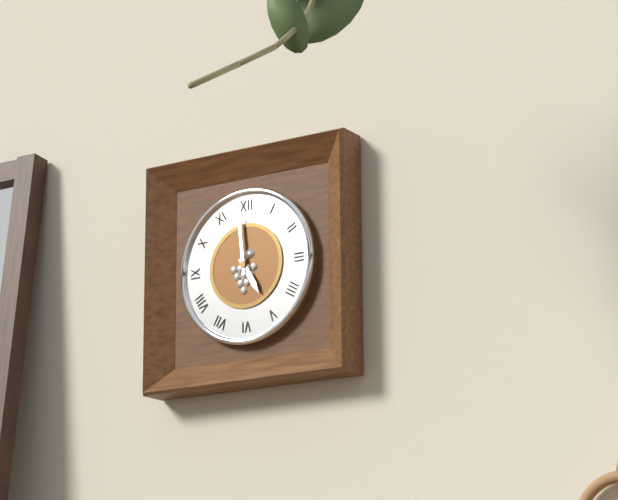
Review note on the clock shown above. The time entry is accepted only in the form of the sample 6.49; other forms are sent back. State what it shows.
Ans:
4.59
